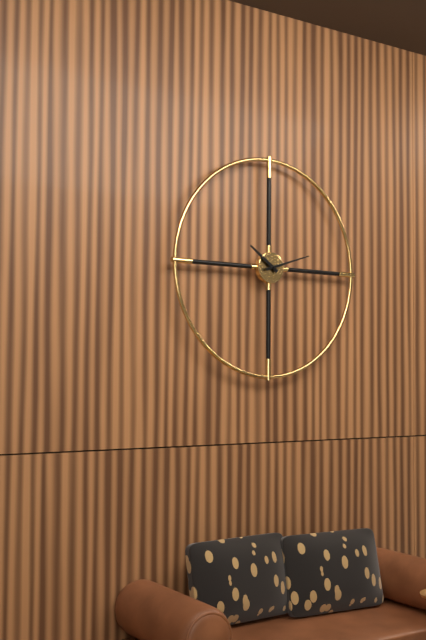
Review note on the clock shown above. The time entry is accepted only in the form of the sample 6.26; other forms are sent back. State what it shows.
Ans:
10.12
